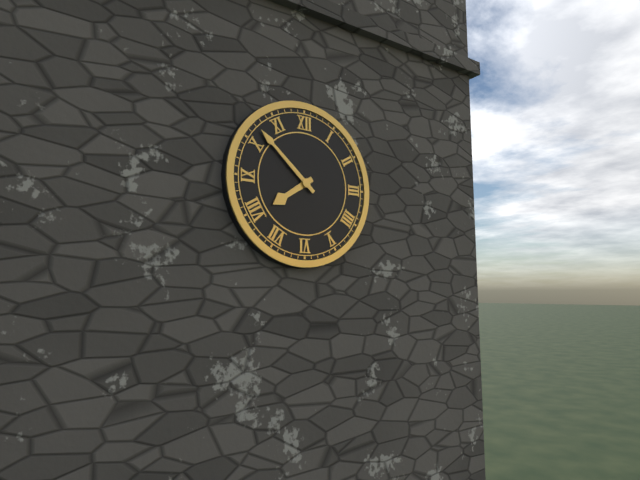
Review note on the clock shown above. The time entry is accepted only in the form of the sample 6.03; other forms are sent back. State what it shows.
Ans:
7.52
